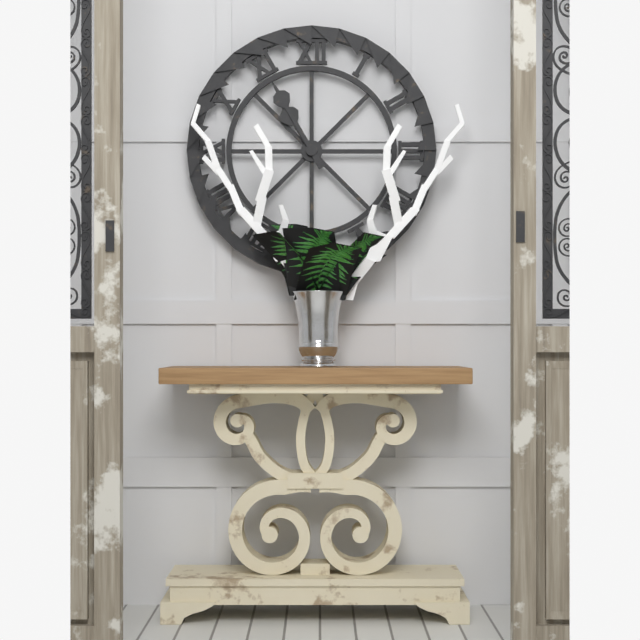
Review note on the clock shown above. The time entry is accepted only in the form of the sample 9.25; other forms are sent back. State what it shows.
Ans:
10.55
